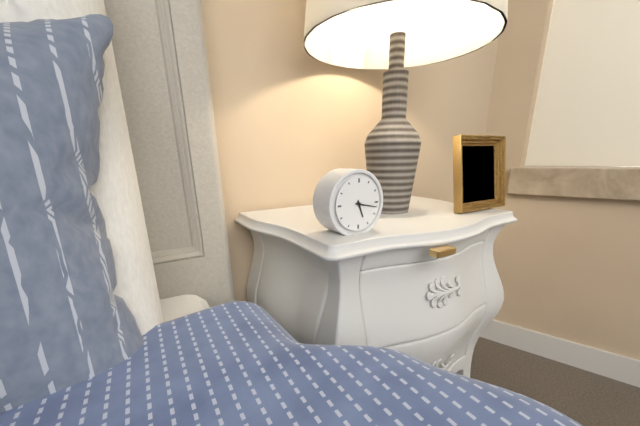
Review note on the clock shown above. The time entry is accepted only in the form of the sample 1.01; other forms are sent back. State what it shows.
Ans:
5.17
